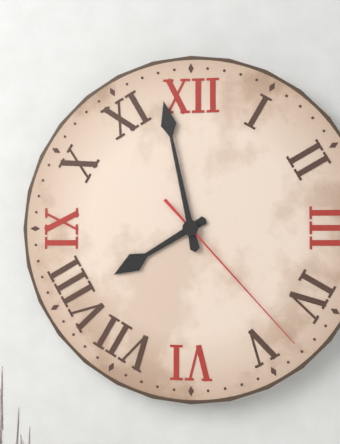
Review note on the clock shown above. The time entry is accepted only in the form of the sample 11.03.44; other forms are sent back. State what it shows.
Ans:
7.58.23
